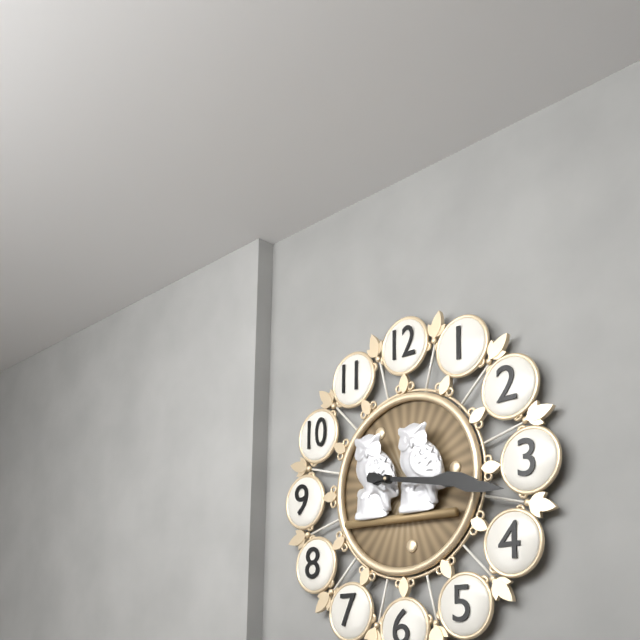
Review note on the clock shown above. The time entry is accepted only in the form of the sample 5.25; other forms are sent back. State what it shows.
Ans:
3.17
